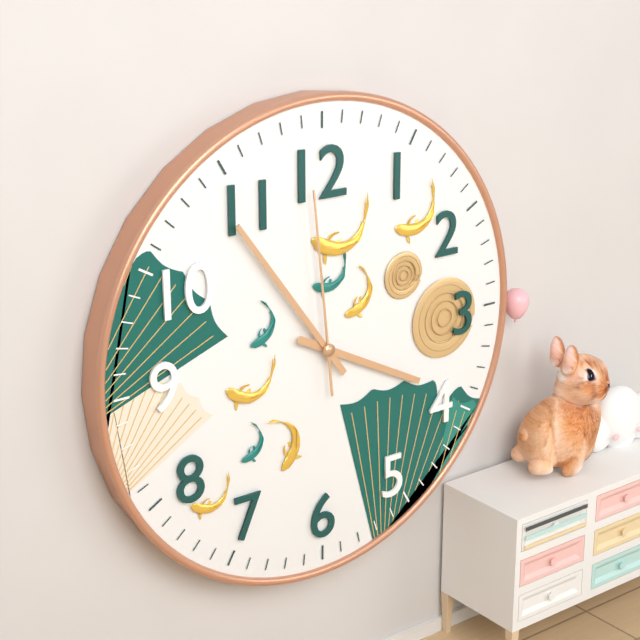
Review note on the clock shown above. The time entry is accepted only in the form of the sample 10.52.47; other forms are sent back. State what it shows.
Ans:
3.54.59
